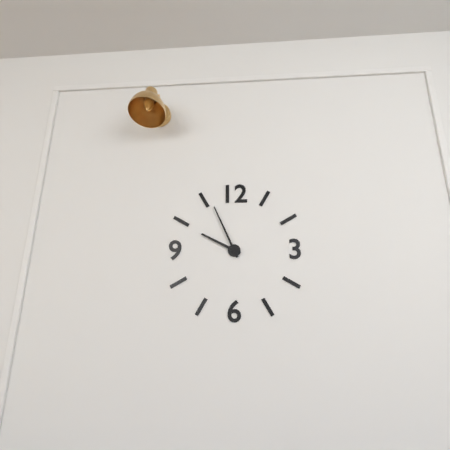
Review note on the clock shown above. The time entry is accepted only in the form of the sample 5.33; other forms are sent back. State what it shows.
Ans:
9.56
